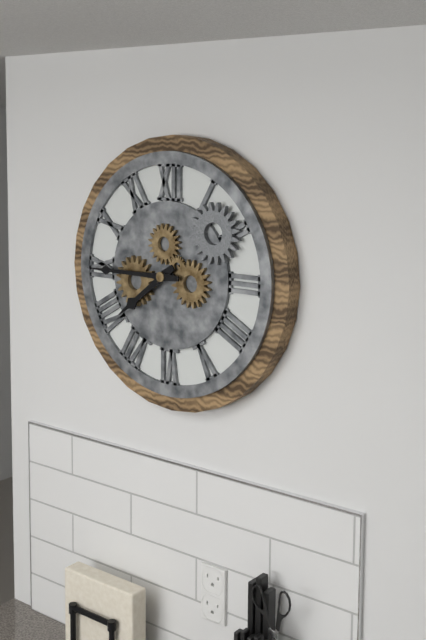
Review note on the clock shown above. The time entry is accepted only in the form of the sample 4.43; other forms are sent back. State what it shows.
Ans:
7.45
